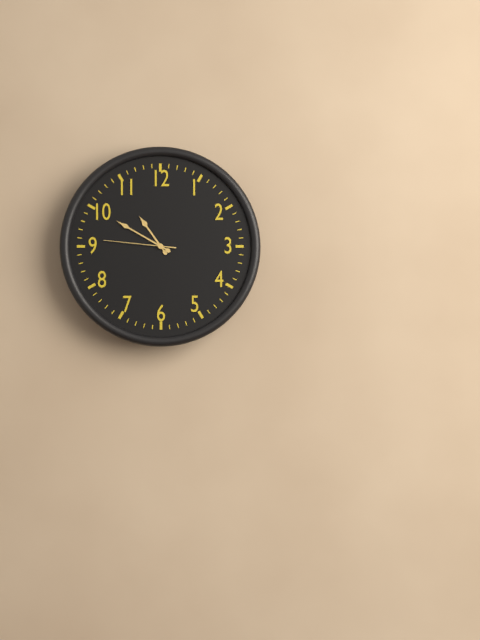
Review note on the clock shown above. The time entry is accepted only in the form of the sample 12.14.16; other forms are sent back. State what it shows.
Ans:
10.50.46
